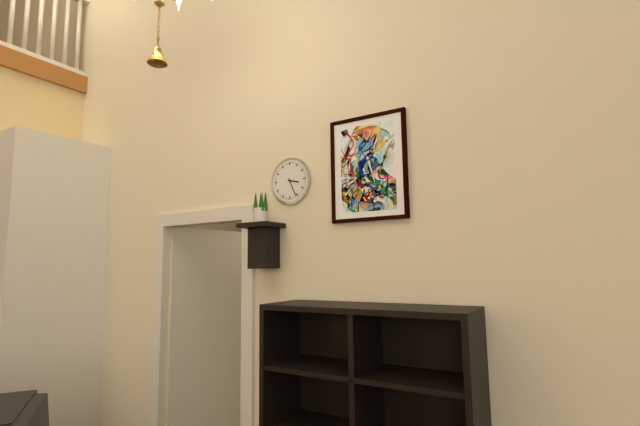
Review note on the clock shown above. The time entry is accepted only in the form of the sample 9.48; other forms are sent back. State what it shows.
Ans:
3.26
